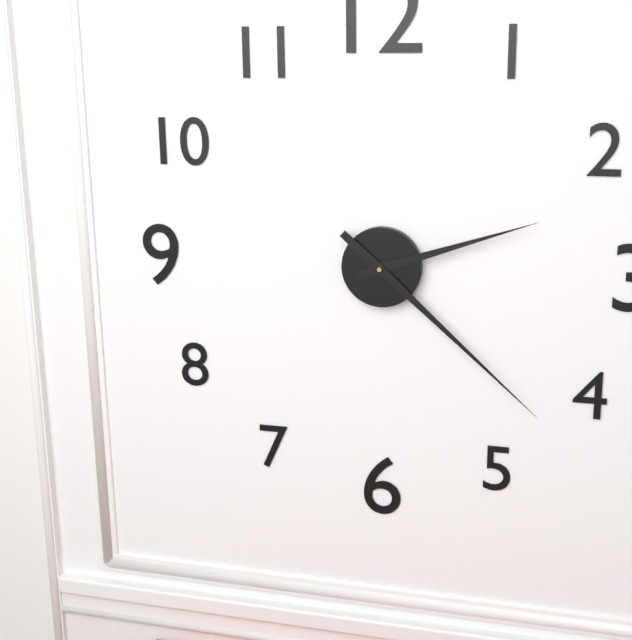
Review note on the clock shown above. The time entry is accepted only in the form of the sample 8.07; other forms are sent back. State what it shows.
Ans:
2.22
